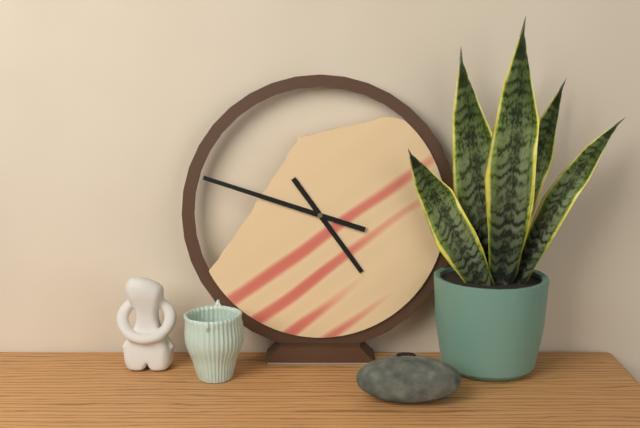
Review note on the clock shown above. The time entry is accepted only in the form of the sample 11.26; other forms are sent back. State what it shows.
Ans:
4.48
